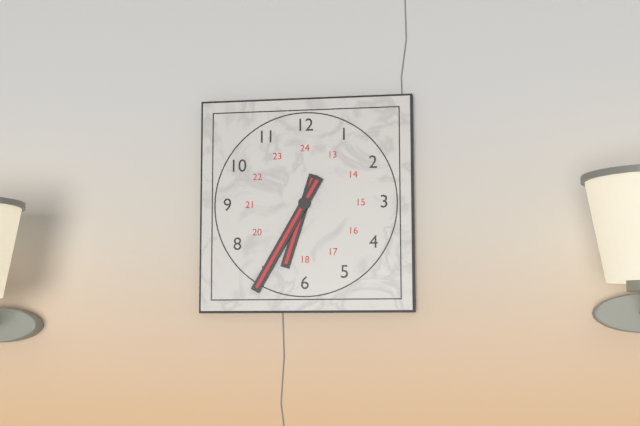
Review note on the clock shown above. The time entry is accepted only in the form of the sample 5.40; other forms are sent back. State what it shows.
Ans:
6.35
